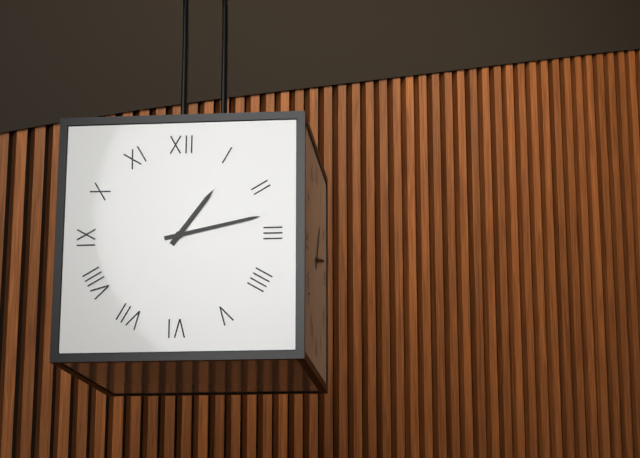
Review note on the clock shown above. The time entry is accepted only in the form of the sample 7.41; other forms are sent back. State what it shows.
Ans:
1.13
